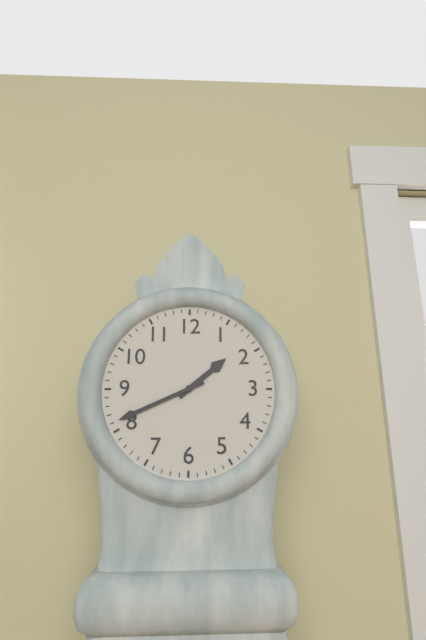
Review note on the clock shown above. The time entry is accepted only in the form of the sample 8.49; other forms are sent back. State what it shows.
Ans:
1.41
